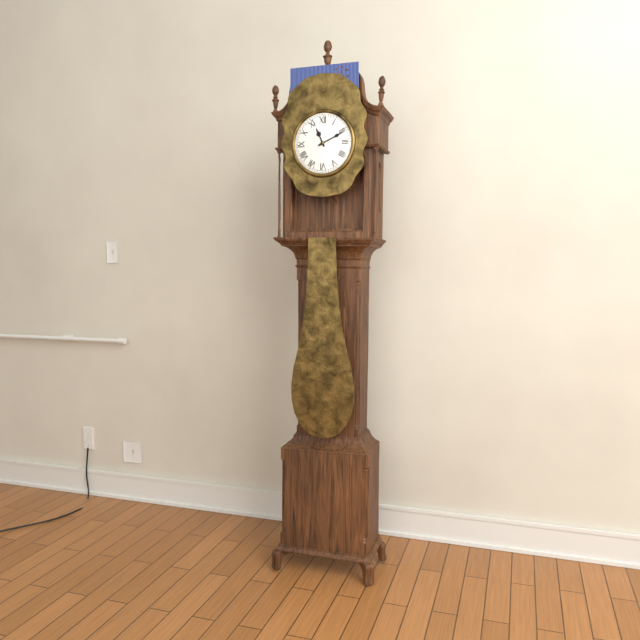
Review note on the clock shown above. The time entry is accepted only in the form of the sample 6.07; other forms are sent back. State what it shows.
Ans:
11.11
